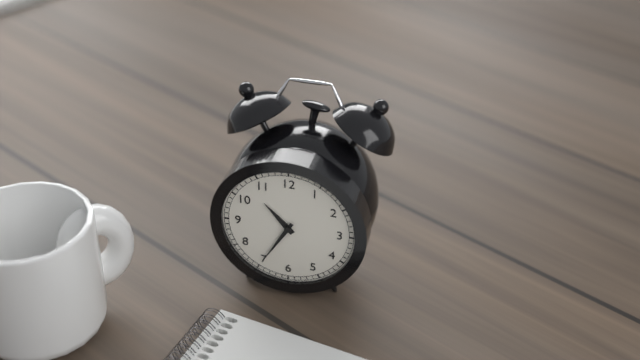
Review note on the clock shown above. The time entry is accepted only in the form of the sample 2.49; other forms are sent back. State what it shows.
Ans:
10.35
